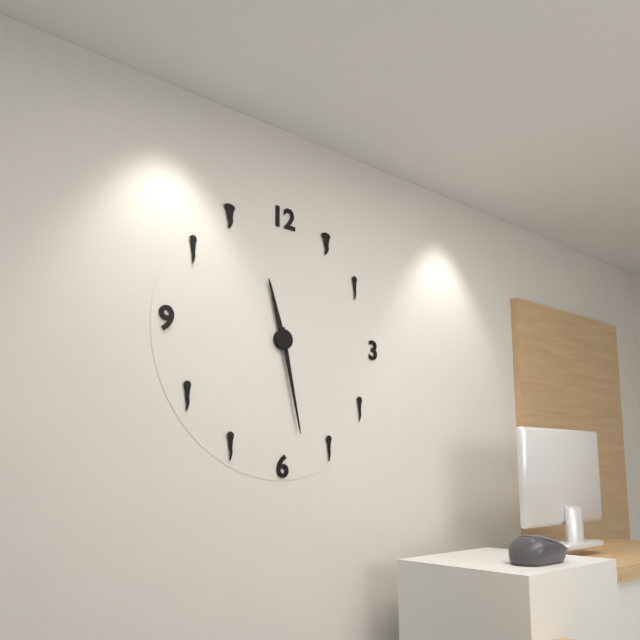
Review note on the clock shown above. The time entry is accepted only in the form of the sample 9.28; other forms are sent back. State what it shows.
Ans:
11.28
